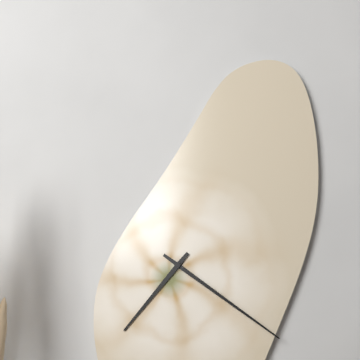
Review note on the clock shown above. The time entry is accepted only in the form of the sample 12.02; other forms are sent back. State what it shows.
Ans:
7.21
